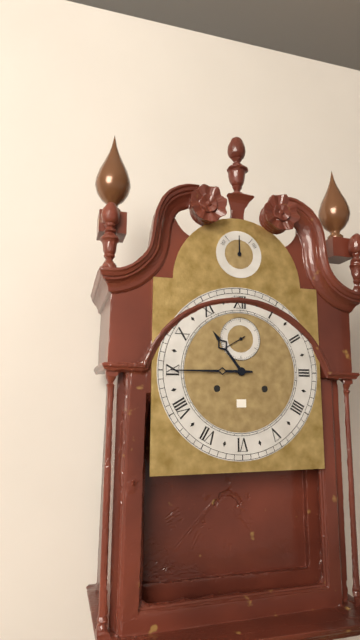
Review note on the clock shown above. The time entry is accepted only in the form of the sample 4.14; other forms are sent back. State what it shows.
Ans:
10.45
